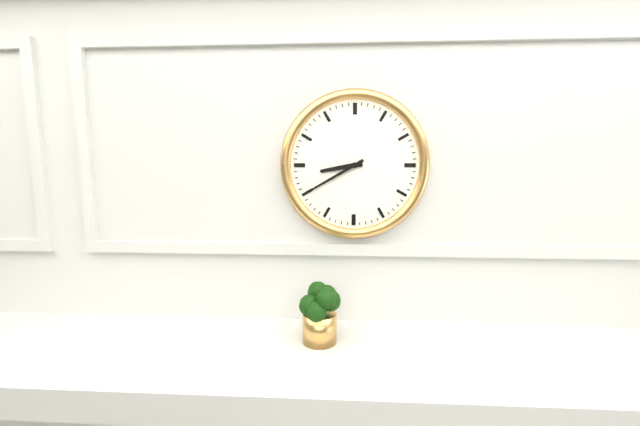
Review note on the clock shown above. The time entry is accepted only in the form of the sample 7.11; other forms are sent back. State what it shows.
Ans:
8.40
